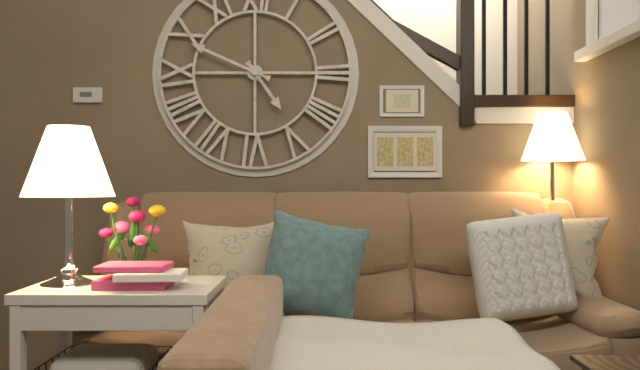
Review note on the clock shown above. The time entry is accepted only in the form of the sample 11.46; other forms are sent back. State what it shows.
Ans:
4.49
